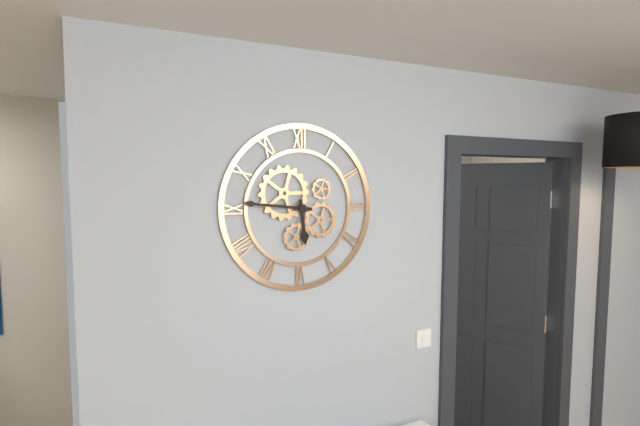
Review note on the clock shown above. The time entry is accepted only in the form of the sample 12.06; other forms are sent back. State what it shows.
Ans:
5.46
